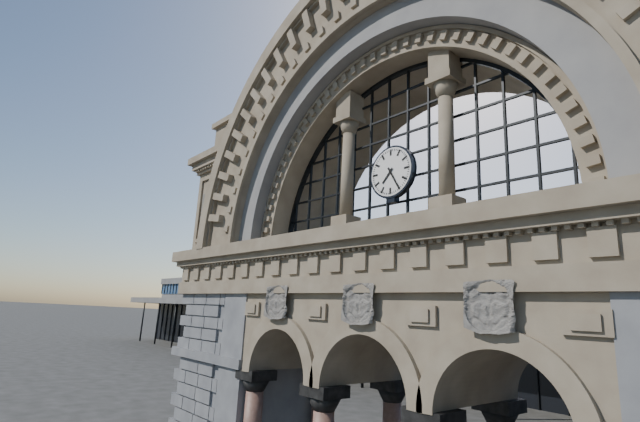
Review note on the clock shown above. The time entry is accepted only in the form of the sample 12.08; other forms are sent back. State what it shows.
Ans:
7.25
